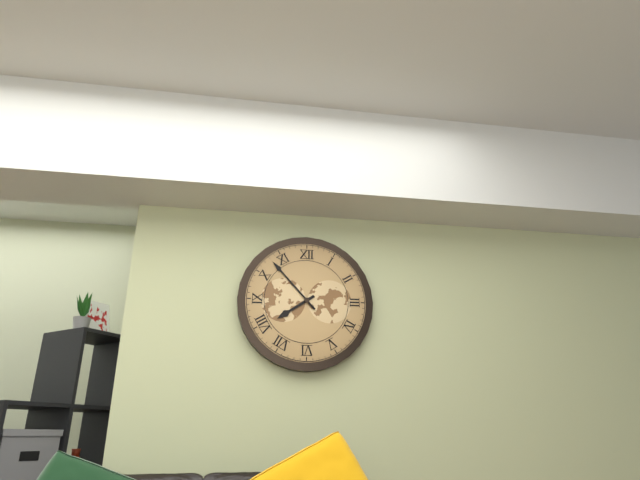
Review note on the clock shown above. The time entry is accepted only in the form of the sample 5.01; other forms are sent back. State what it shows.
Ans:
7.53
